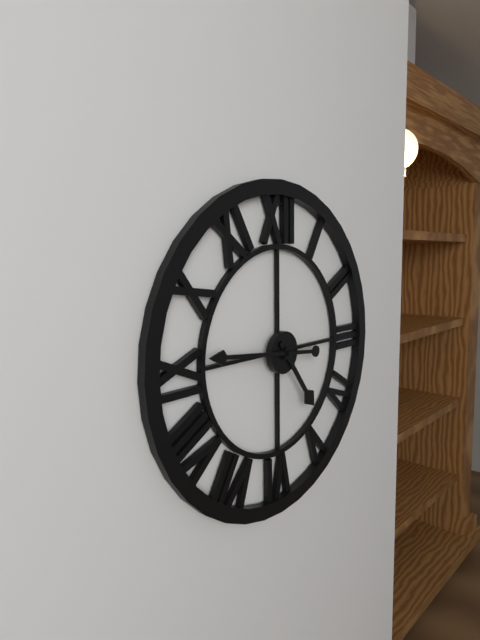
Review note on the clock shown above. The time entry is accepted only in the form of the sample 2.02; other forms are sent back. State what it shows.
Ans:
4.46
